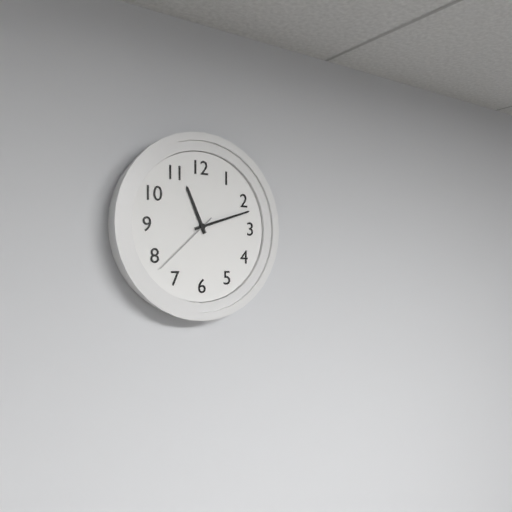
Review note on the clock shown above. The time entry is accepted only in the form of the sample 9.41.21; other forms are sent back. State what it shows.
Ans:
11.12.38
